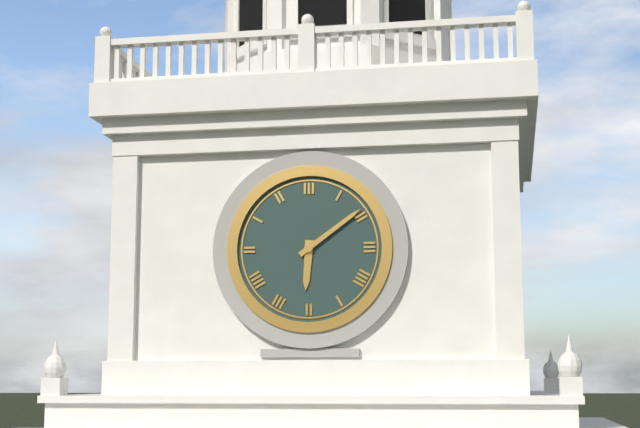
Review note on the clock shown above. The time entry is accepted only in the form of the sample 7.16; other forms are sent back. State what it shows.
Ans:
6.09
